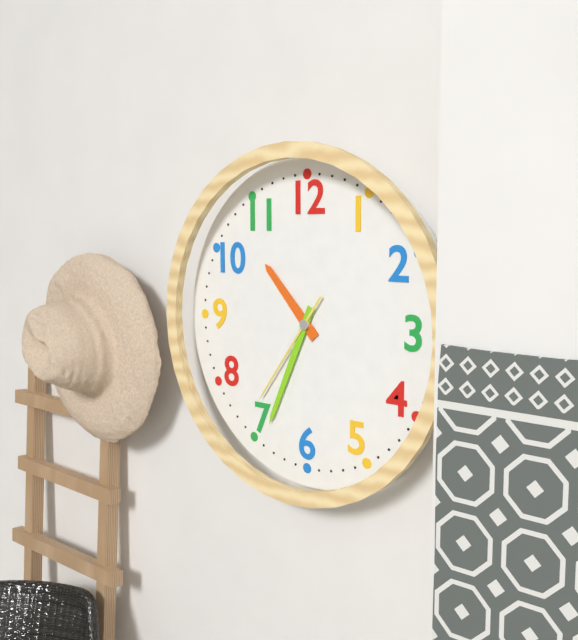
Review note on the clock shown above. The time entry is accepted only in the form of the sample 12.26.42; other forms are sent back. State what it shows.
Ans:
10.34.36
